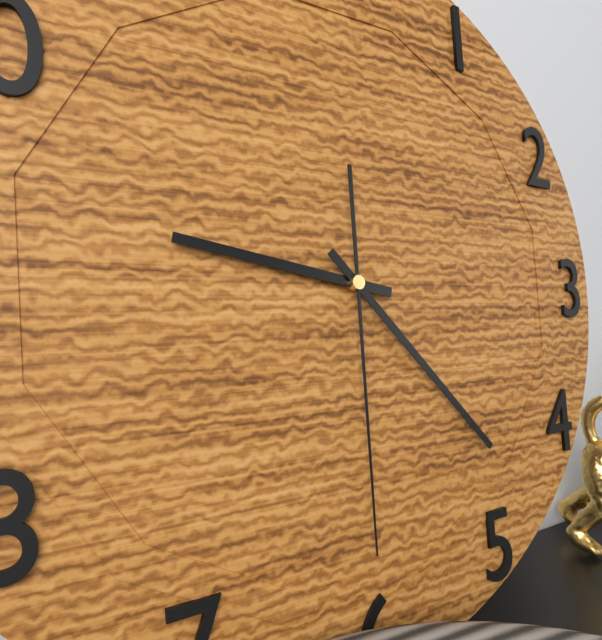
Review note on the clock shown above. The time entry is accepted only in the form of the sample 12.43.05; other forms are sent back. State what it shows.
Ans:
9.23.30
